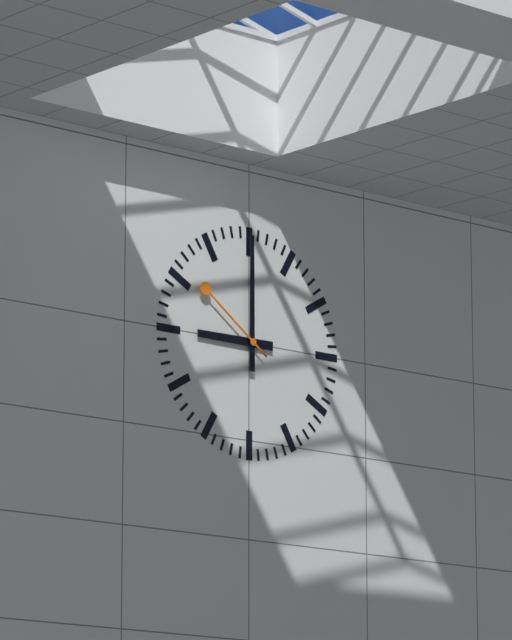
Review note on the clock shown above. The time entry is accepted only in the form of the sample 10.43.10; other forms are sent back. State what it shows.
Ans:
9.00.51
